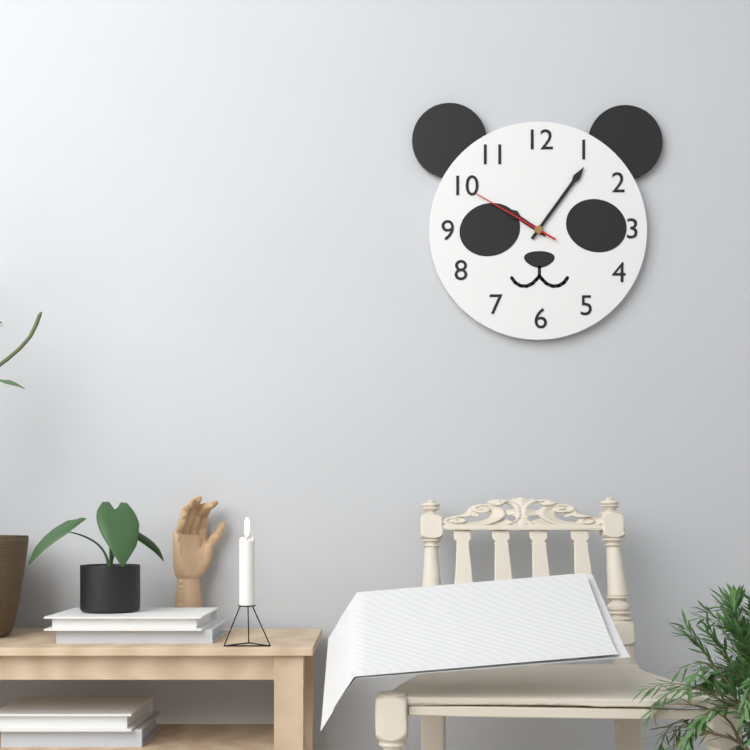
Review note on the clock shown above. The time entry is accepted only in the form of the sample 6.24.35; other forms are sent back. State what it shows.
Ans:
10.06.50
